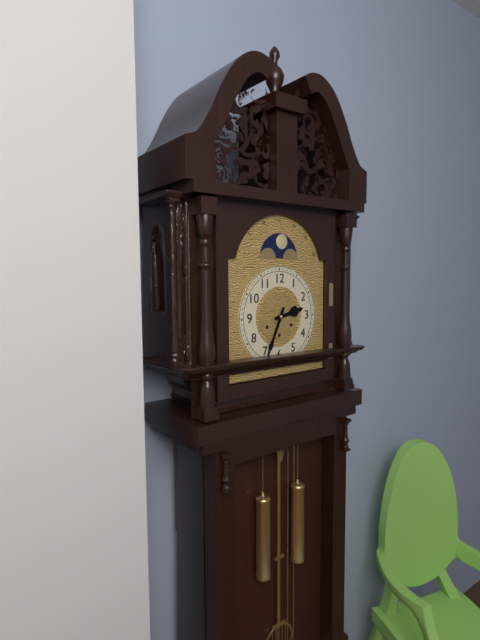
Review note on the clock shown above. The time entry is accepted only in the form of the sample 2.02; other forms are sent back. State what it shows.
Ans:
2.34
